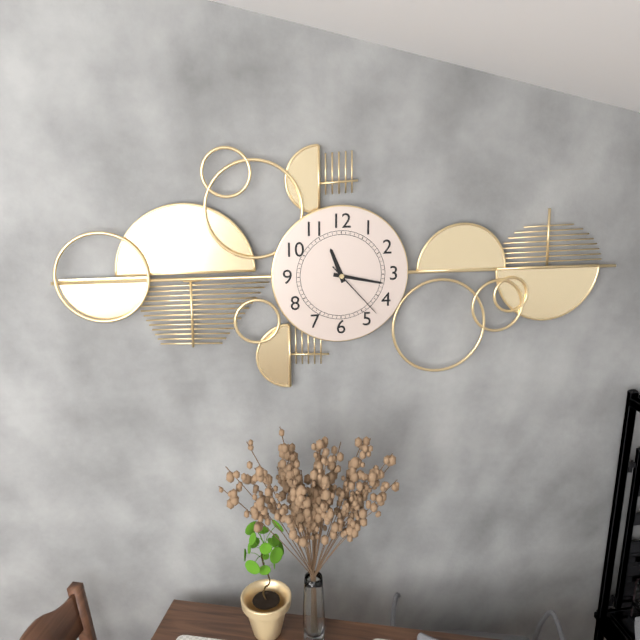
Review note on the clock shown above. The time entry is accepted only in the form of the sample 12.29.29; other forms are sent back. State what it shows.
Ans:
11.17.23
